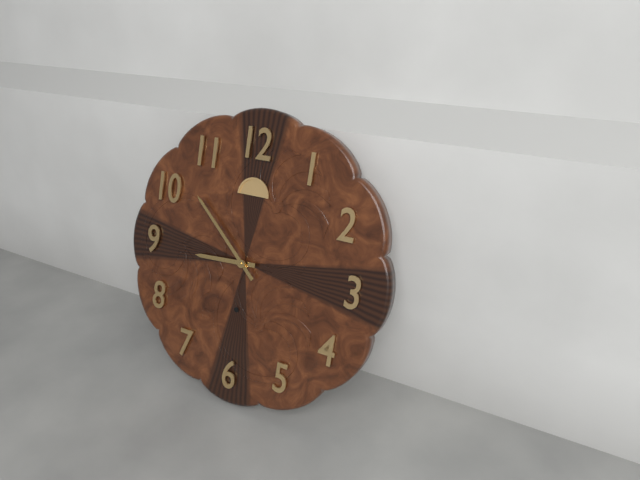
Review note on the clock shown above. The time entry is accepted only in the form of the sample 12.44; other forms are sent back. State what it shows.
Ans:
8.52
